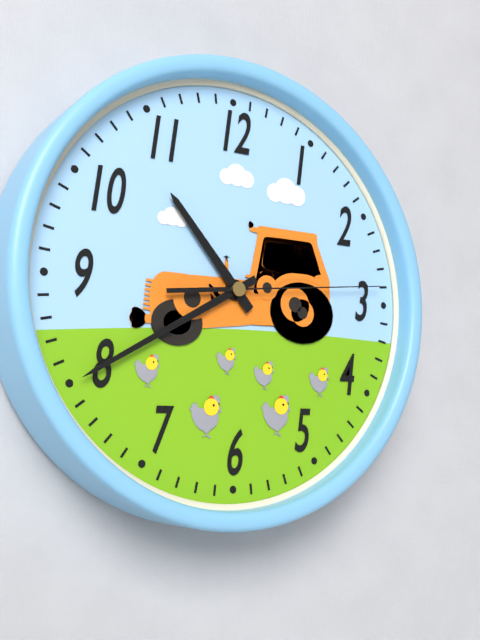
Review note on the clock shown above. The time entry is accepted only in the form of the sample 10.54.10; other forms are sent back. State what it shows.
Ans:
10.40.14
